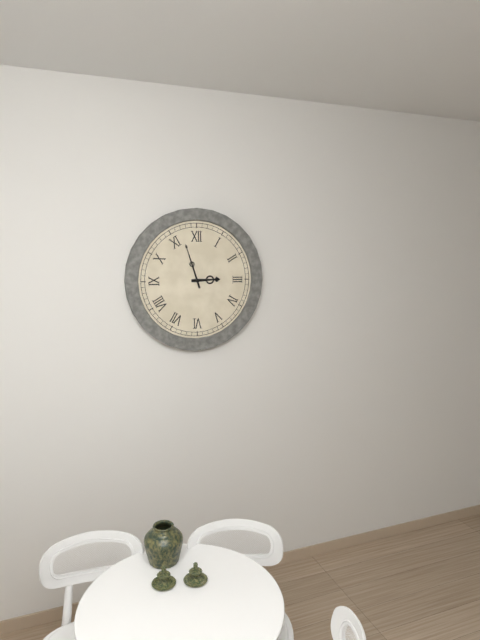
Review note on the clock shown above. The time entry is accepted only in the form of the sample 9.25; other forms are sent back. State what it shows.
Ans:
2.57
